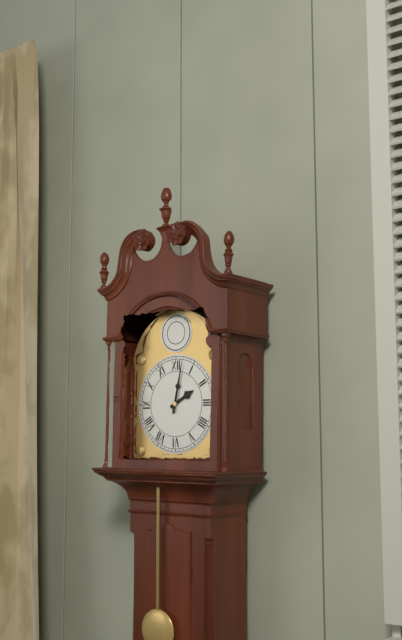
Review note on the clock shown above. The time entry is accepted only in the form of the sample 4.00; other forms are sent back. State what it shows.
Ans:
2.02
